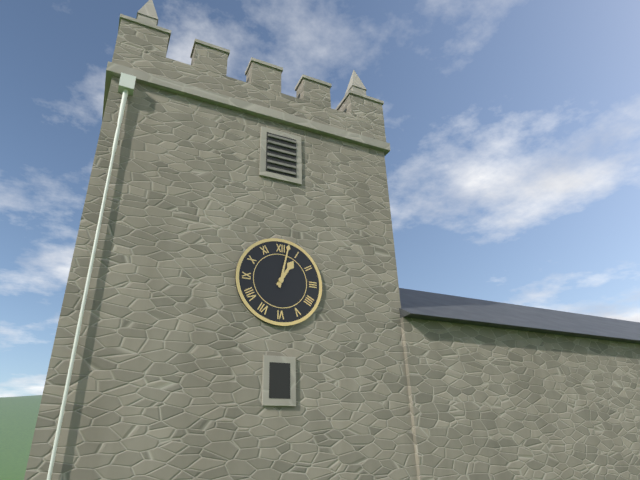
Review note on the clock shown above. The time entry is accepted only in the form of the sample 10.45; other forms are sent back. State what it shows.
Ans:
1.02
